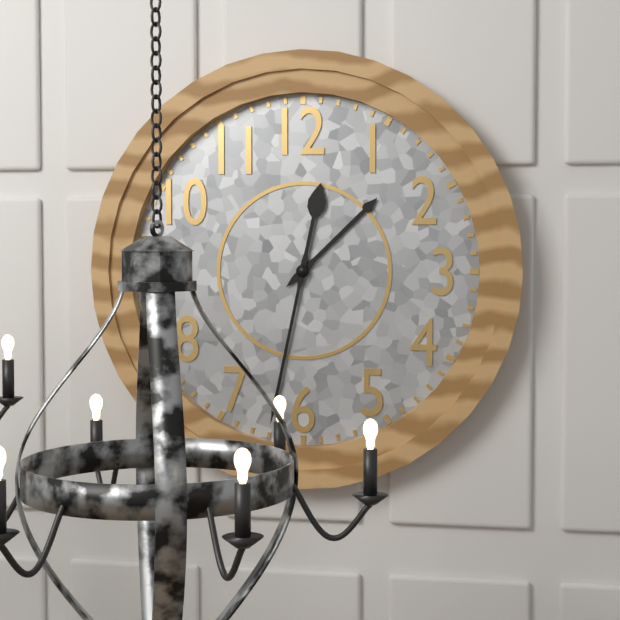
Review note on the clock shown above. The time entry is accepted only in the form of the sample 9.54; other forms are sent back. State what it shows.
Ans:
1.32
